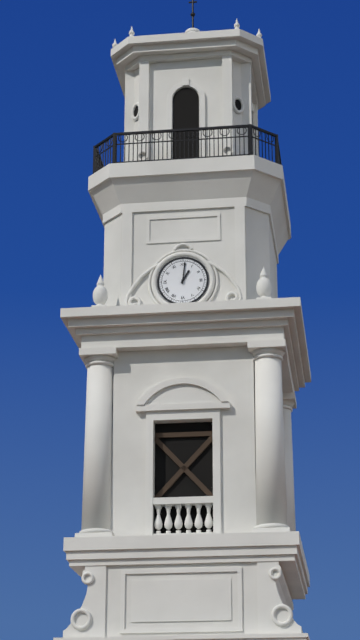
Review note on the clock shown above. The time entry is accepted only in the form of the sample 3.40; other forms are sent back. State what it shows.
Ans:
1.01
